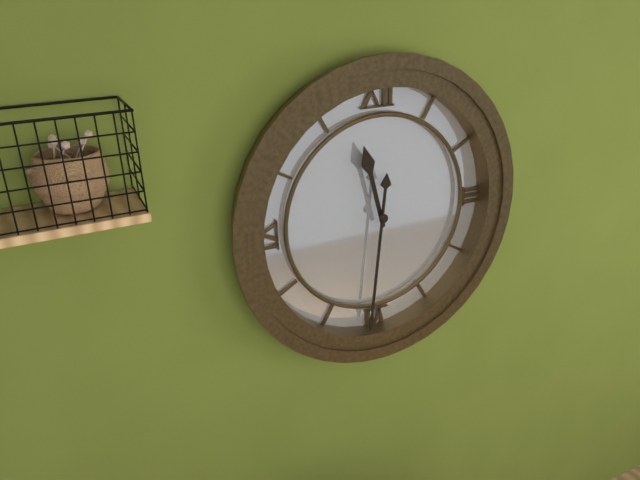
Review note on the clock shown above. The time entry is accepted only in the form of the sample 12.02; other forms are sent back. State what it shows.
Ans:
11.31
